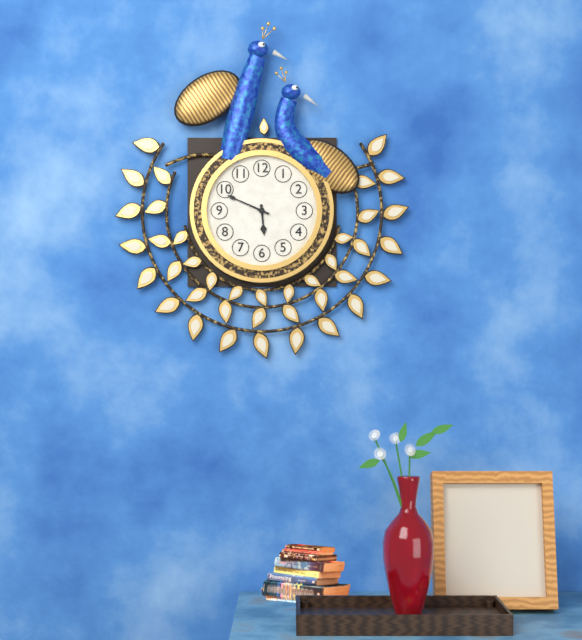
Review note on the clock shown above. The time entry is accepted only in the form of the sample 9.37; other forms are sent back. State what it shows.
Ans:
5.49
